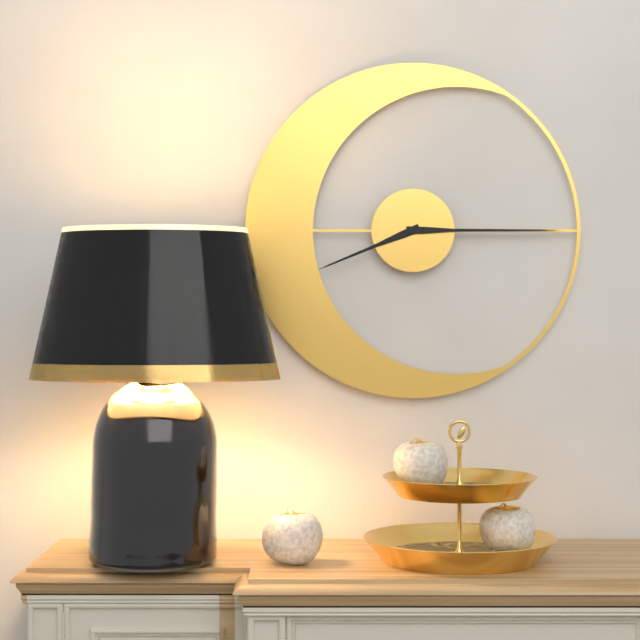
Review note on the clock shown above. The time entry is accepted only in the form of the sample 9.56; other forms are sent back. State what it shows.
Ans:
8.15
